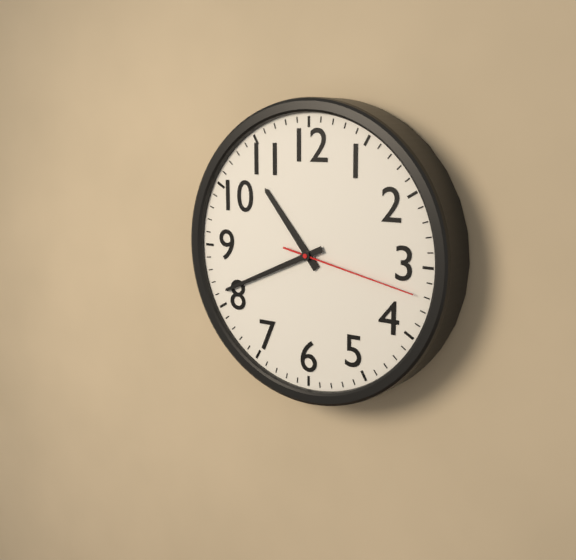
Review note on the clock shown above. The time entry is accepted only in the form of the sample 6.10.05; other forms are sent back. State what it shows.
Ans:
10.41.17
